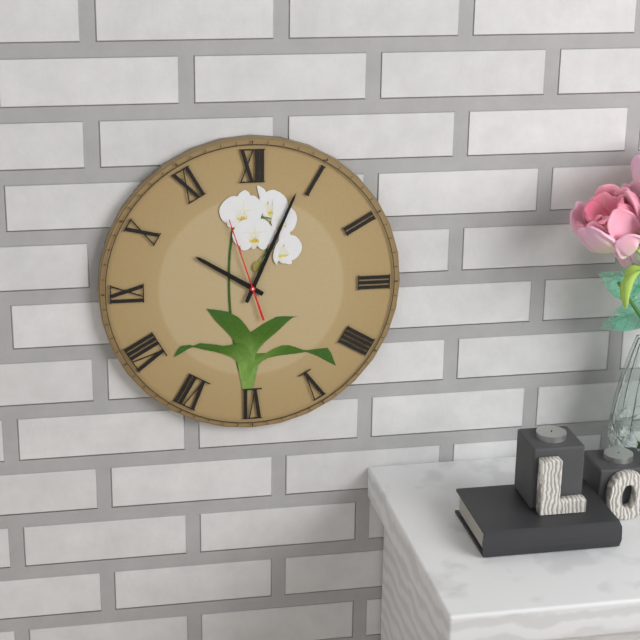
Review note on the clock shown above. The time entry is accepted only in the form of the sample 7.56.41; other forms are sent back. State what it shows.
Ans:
10.04.57
